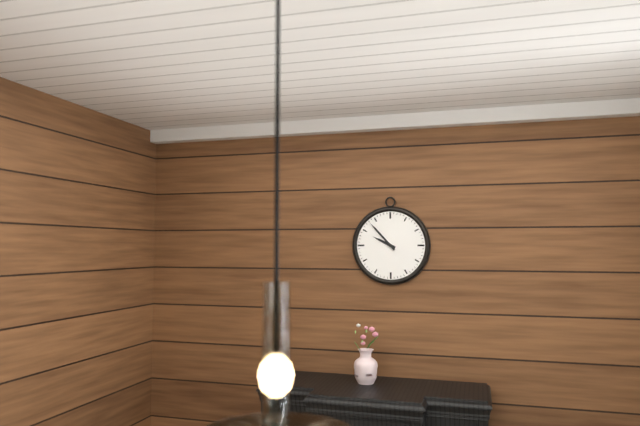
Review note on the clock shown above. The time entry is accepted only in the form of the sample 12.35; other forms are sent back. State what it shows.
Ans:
9.53
